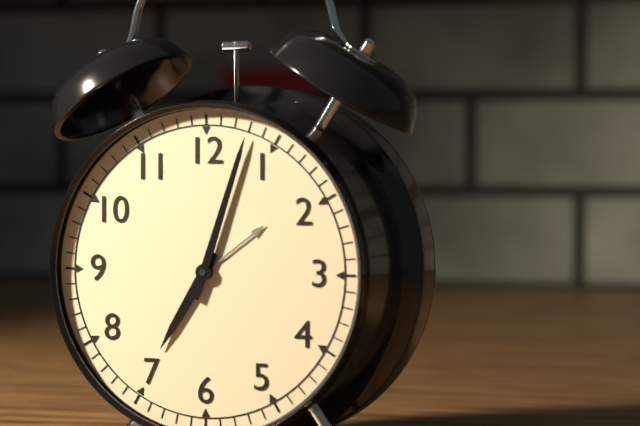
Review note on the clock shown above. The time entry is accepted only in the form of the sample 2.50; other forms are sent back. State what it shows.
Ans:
7.03
